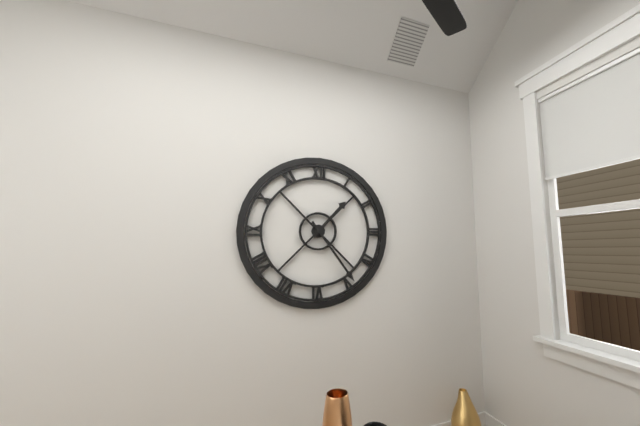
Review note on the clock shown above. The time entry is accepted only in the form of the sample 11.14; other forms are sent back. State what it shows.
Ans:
1.24
